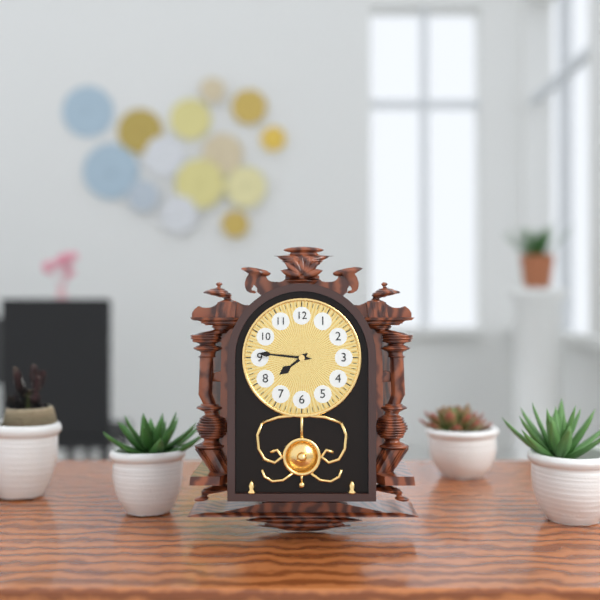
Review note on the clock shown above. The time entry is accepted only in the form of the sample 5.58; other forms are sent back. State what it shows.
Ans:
7.46
